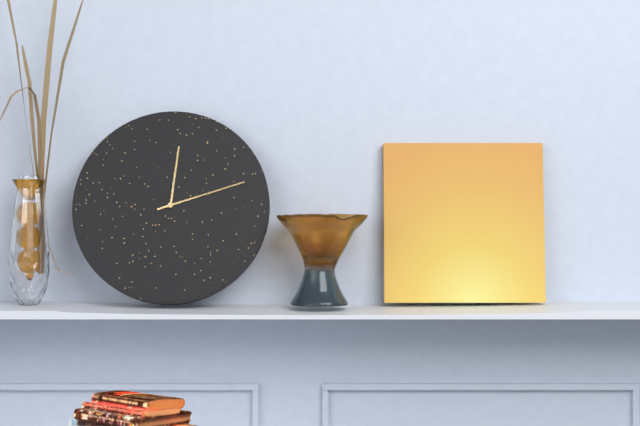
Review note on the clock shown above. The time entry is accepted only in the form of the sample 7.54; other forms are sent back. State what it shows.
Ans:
12.12
